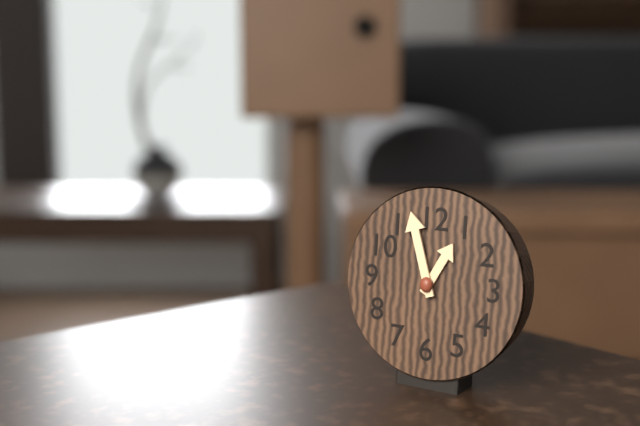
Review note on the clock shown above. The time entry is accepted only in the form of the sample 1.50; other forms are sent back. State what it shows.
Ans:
12.57
